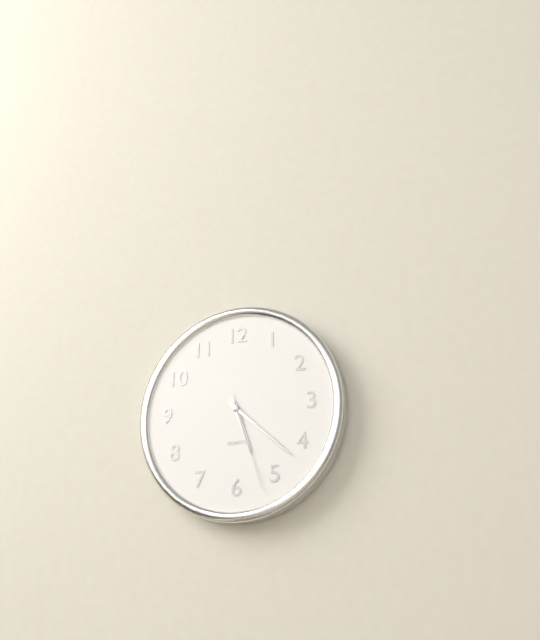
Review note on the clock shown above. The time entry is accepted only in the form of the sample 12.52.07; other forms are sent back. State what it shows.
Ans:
5.22.27
